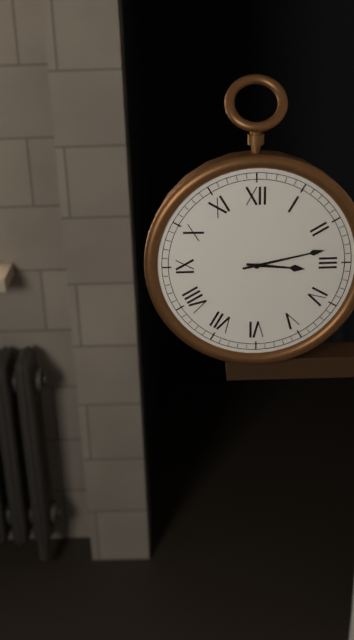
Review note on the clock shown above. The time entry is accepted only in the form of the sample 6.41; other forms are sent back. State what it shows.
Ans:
3.13
